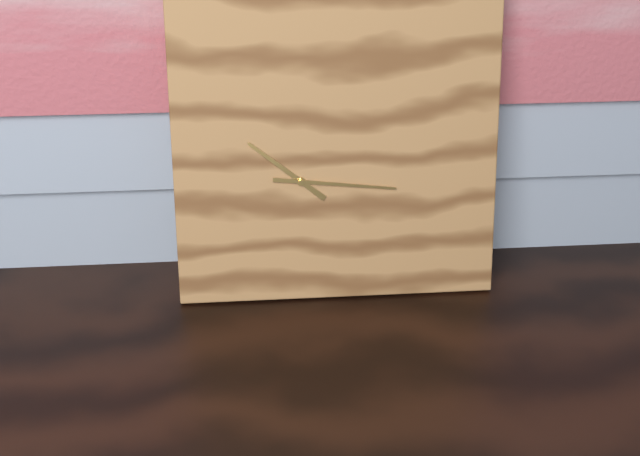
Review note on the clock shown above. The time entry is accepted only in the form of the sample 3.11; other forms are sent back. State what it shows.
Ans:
10.16
